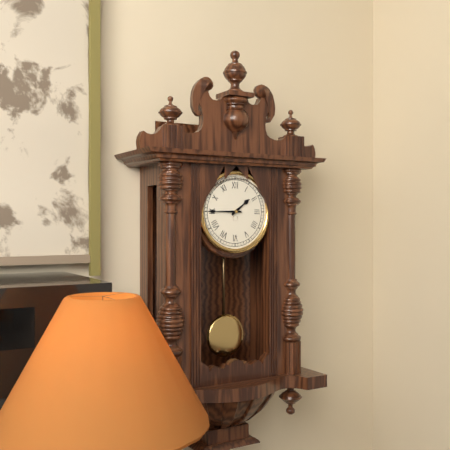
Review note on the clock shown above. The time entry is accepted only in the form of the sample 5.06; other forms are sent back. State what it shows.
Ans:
1.45
